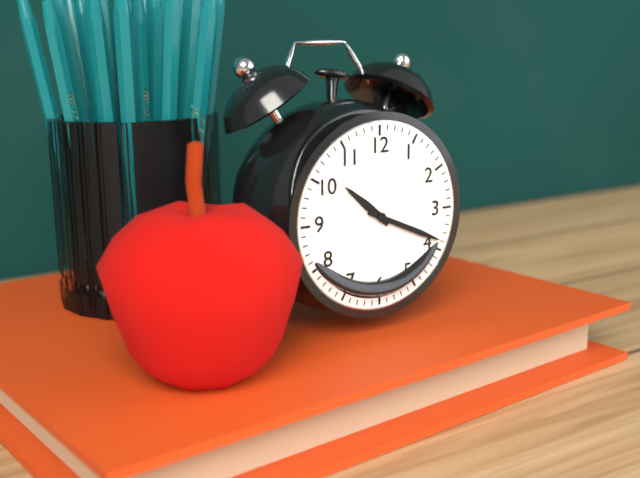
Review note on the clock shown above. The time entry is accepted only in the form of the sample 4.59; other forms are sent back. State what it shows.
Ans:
10.19
